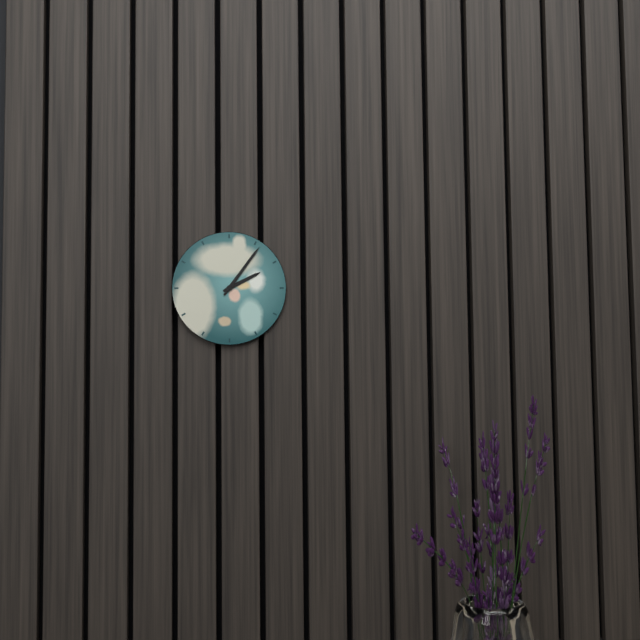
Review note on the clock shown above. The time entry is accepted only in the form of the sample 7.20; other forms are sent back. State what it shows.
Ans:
2.06
